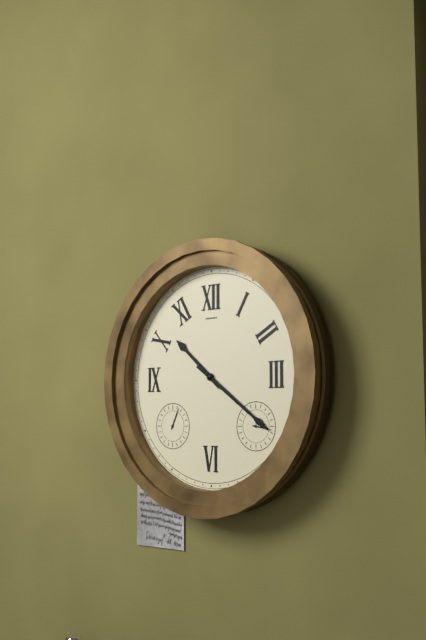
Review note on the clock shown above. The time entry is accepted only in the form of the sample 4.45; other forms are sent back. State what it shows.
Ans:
10.21
